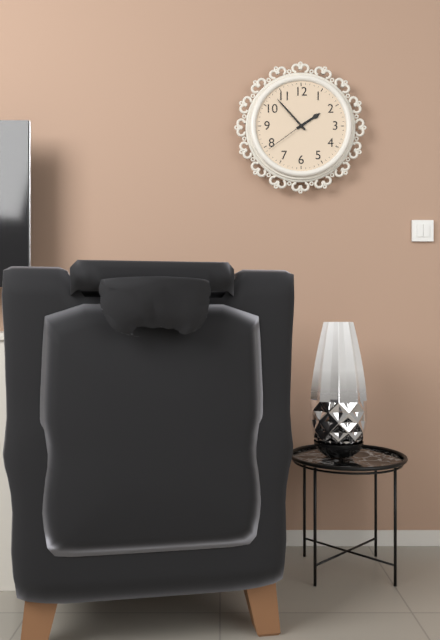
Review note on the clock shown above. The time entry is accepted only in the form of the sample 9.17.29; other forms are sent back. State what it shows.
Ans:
1.53.39
